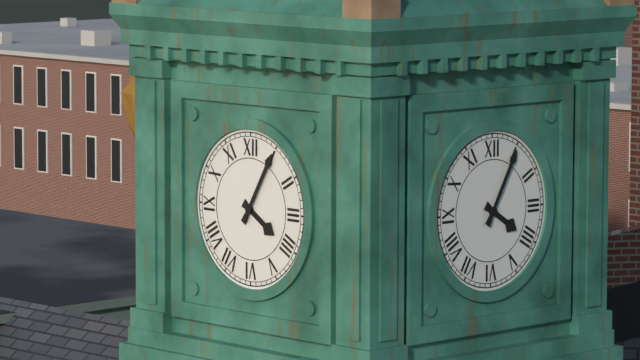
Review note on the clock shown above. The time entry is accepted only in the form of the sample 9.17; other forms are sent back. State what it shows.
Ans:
4.05
